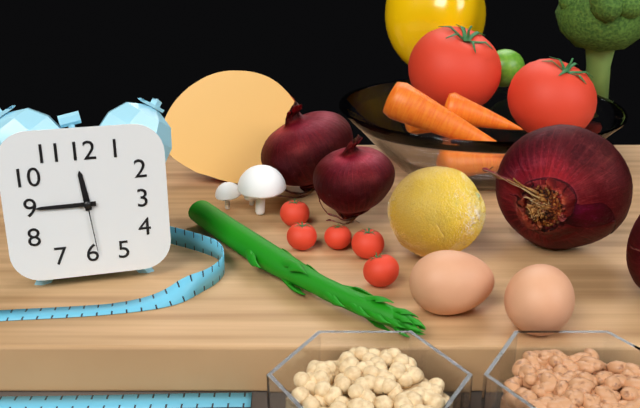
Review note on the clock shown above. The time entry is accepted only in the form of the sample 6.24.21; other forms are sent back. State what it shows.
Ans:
11.45.29
